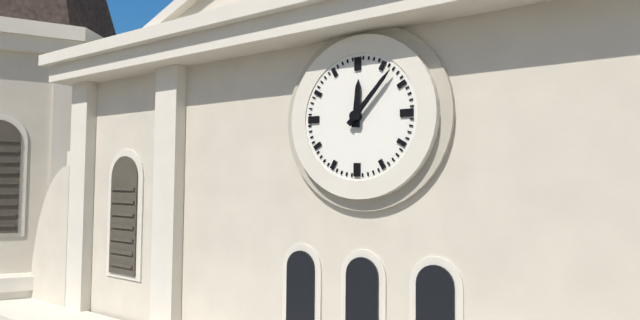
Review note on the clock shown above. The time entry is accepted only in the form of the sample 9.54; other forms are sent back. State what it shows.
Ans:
12.07
